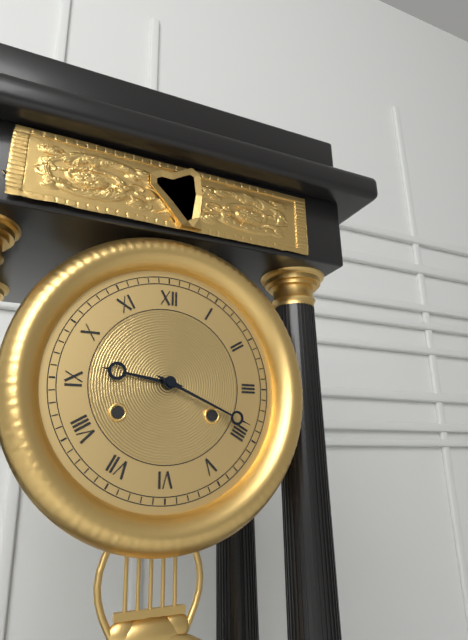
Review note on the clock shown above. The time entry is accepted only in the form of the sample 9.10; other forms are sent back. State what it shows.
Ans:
9.19
